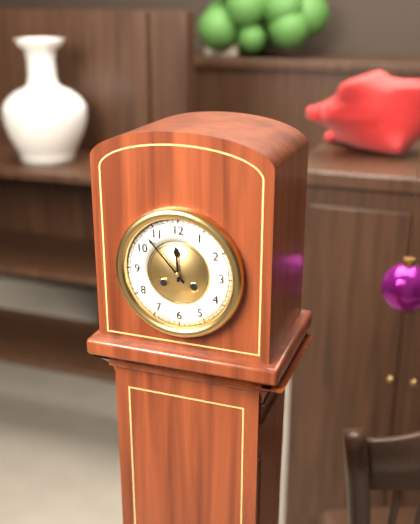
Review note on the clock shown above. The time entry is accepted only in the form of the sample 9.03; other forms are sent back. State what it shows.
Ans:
11.53
